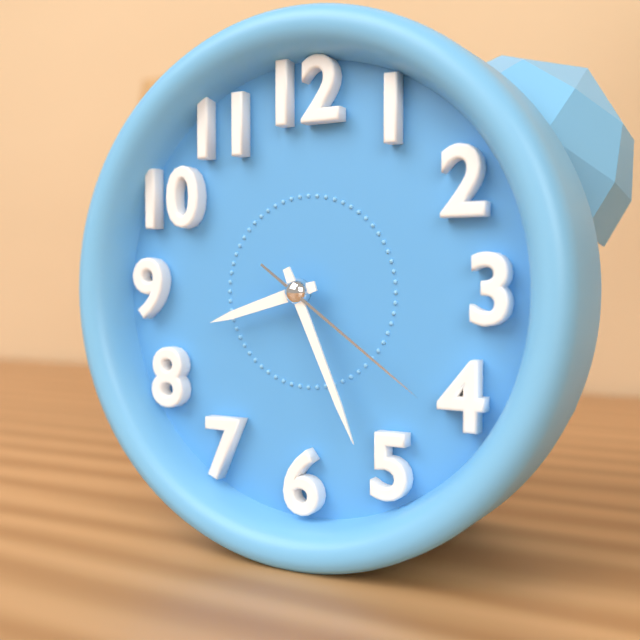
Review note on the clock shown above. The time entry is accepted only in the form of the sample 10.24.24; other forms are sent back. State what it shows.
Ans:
8.26.21
